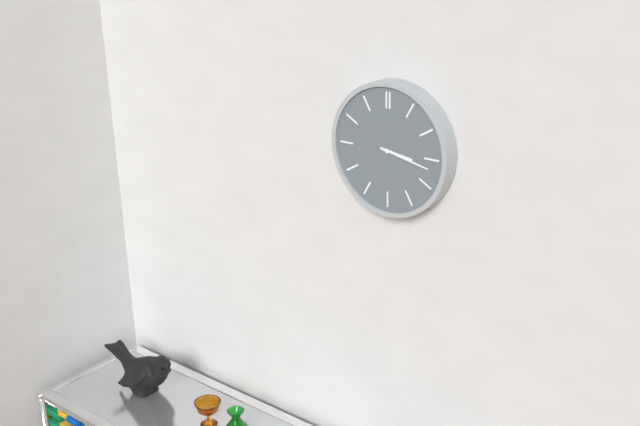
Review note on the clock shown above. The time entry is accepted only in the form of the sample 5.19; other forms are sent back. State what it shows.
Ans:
3.17
